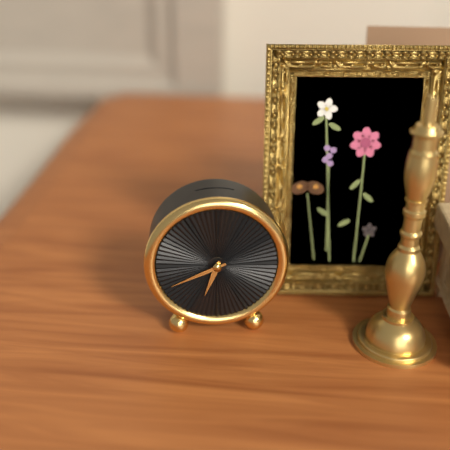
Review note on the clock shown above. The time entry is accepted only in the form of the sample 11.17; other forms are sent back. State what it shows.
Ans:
6.41
